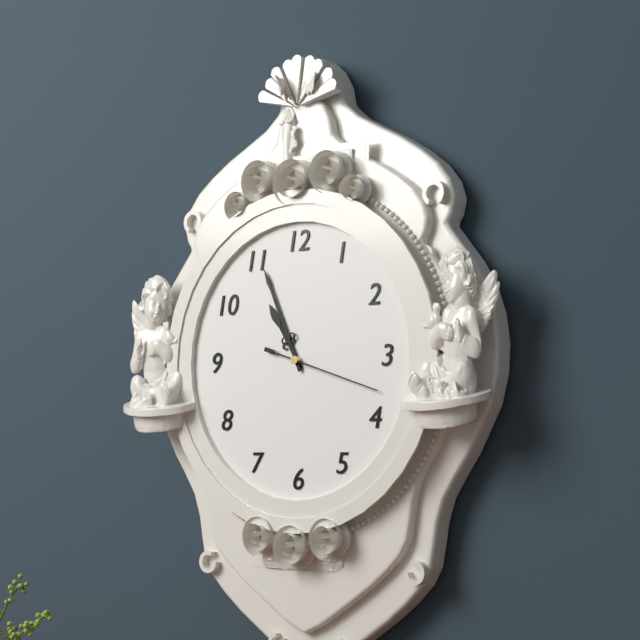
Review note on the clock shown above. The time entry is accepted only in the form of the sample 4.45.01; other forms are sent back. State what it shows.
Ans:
10.56.18
